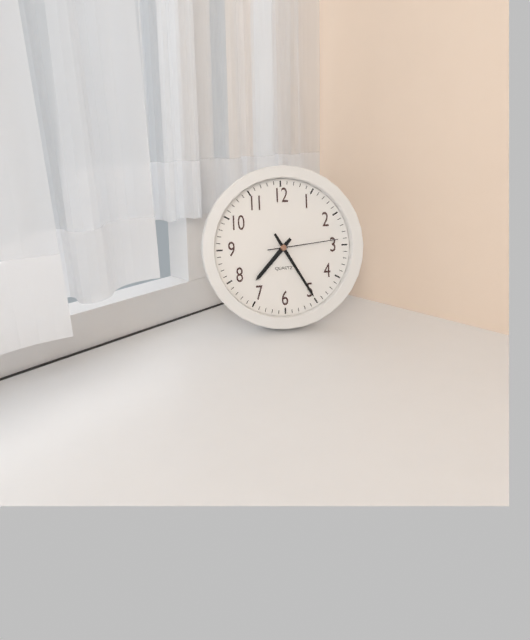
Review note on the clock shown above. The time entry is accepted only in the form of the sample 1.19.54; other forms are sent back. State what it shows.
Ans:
7.25.14
